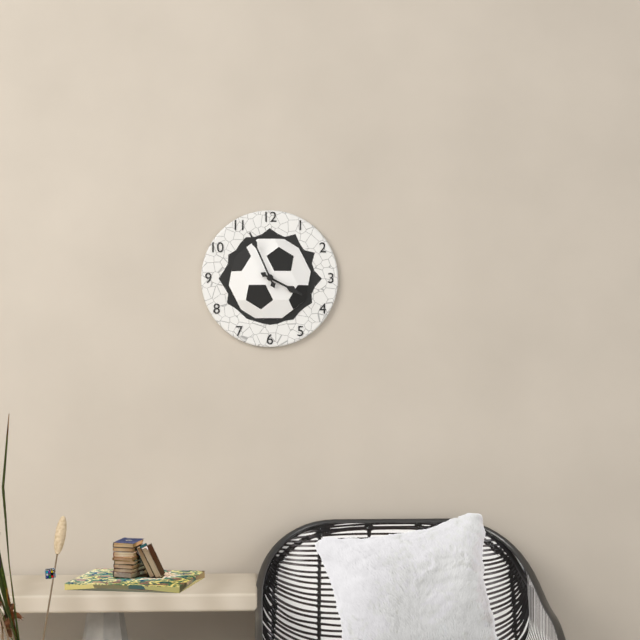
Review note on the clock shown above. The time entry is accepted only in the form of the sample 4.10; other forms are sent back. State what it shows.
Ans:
3.56
